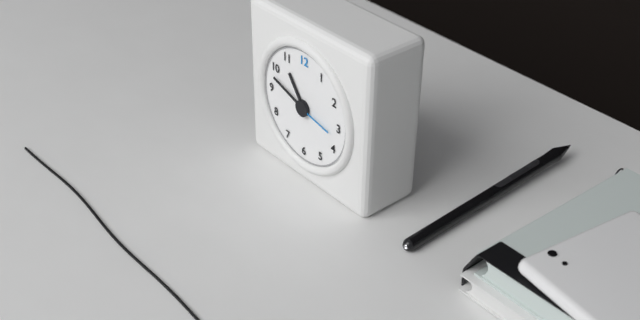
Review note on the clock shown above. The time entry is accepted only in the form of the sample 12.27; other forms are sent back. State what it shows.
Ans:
10.48
